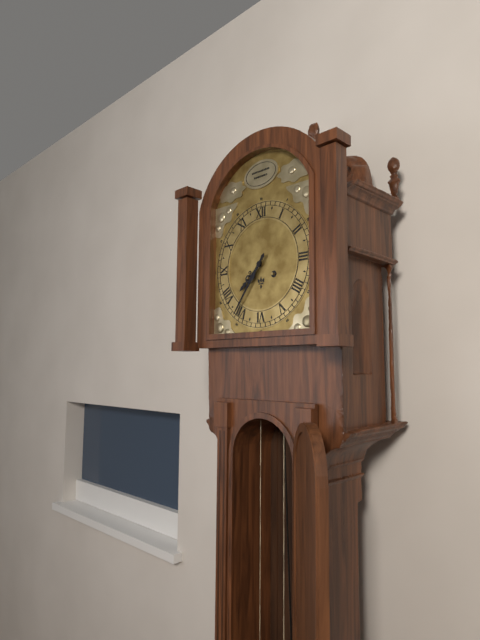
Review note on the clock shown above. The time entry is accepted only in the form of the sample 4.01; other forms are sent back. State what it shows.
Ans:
7.36
